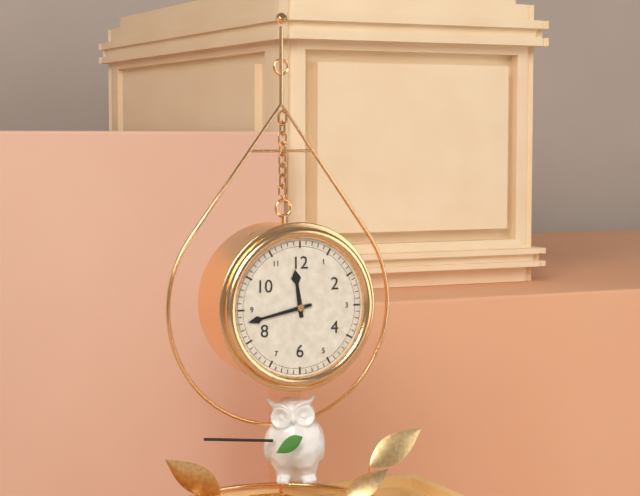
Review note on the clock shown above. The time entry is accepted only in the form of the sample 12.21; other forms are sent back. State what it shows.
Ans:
11.43
